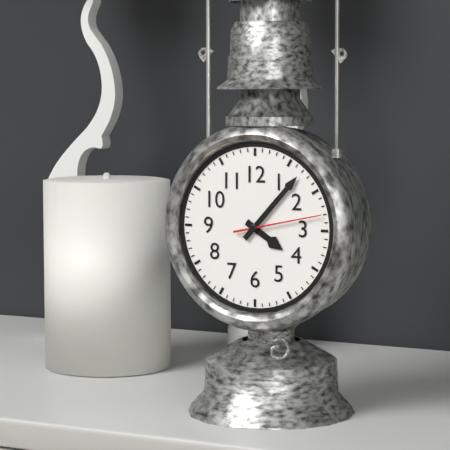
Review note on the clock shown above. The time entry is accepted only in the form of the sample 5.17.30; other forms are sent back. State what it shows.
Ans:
4.07.13
